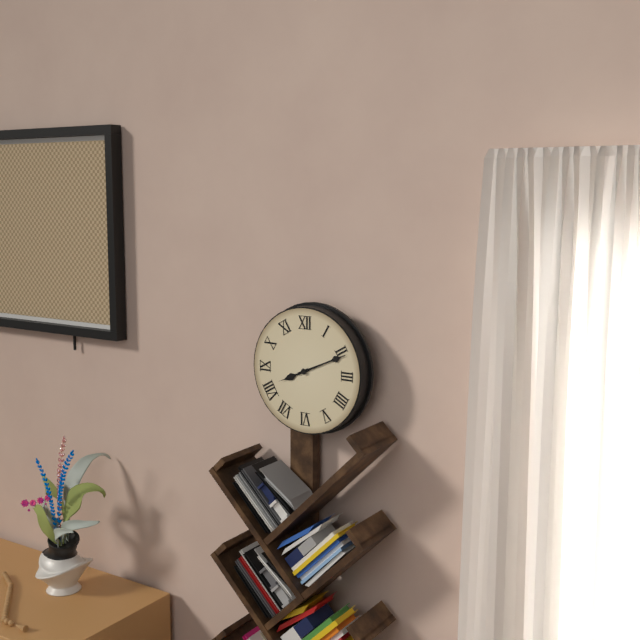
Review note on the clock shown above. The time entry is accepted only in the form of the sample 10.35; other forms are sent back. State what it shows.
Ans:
8.11
